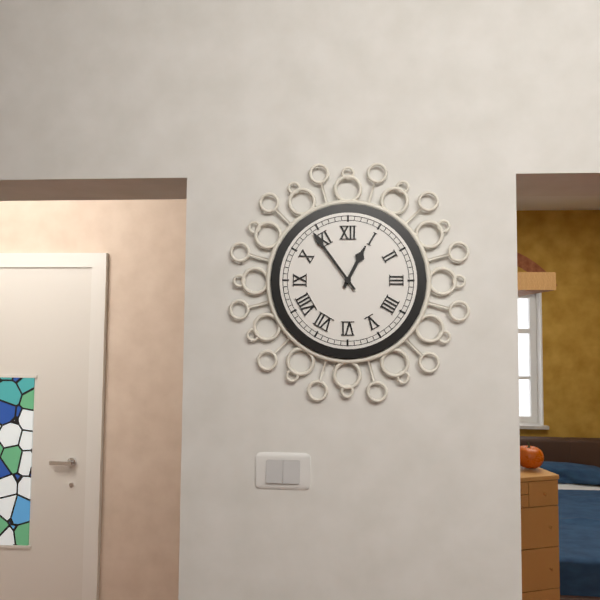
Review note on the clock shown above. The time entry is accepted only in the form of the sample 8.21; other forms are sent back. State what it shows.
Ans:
12.54
